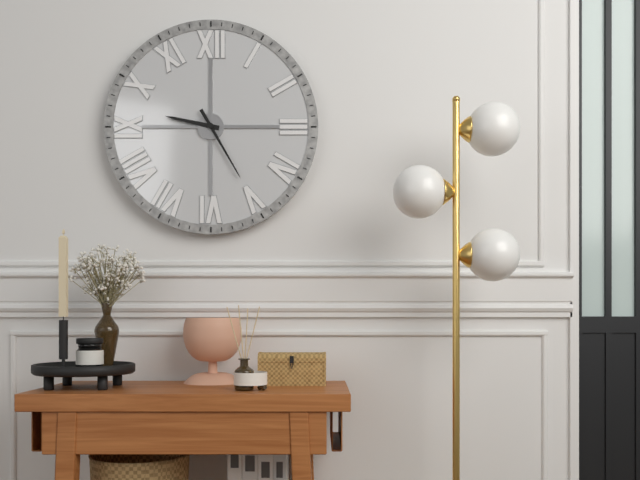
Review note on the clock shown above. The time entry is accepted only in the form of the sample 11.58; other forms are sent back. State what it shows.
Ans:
9.25
